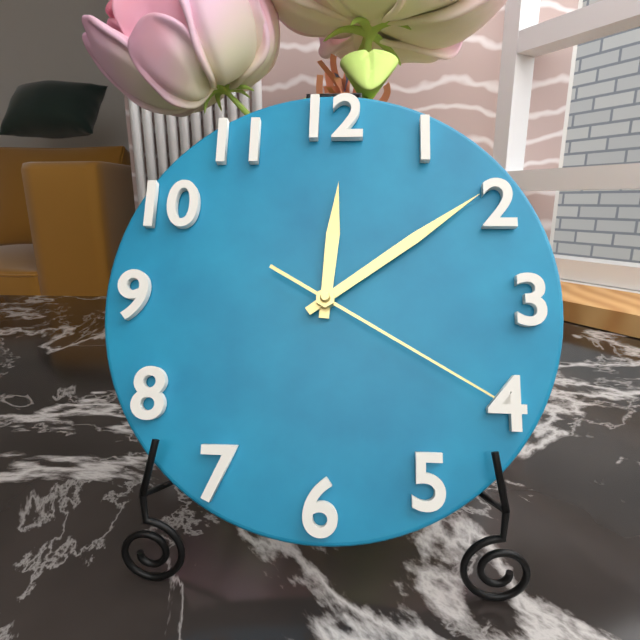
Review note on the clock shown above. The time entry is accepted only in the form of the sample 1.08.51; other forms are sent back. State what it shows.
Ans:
12.09.20
